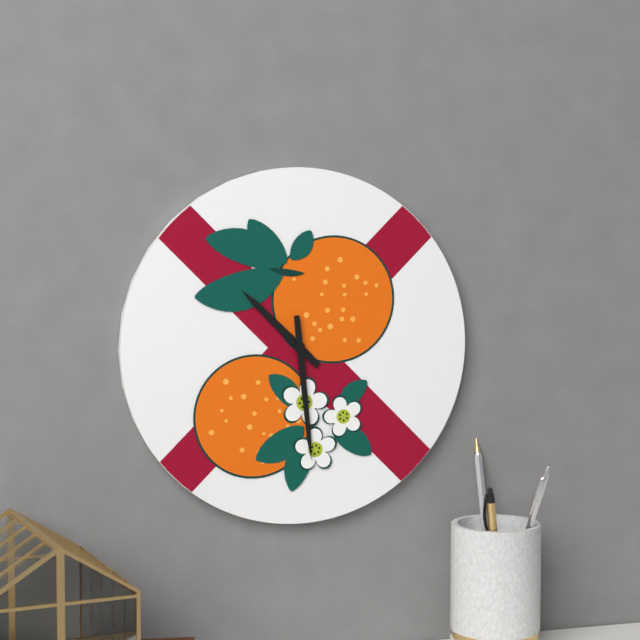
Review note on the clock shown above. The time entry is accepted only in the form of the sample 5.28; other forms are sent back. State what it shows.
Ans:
10.29
